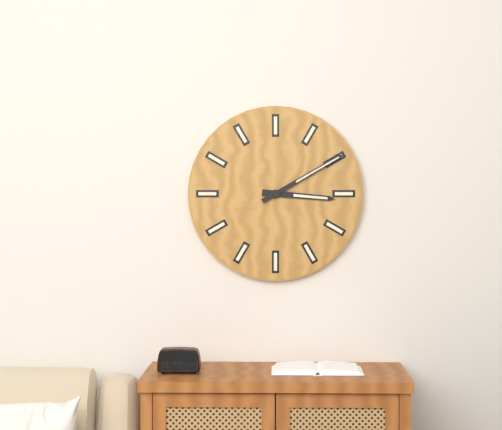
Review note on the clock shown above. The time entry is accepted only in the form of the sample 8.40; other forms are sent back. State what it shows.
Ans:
3.10
